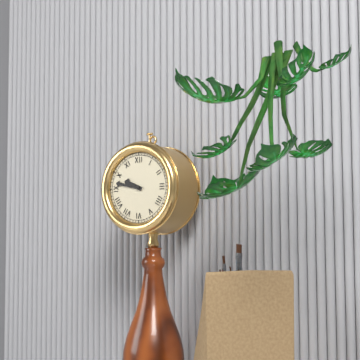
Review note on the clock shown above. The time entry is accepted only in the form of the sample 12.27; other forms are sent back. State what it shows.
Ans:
9.47
